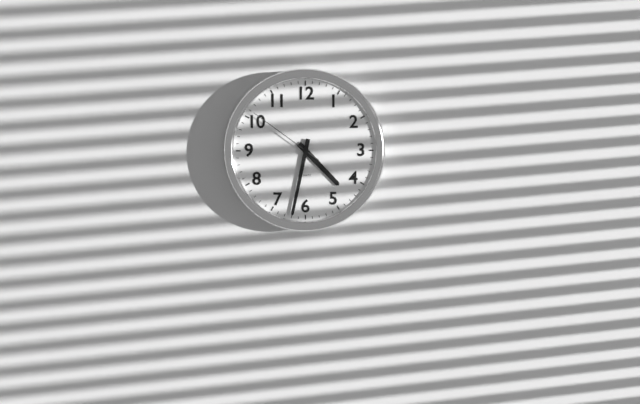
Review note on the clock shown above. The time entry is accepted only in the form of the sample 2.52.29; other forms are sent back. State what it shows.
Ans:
4.32.51
